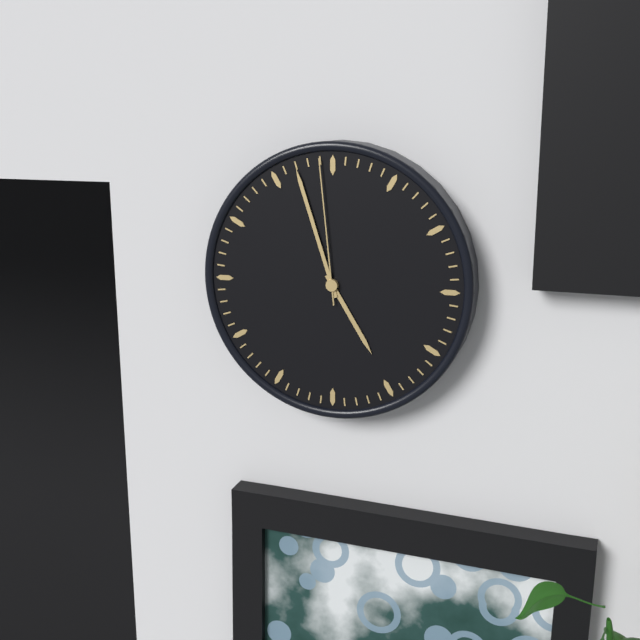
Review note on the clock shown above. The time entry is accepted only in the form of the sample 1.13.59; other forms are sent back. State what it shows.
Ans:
4.57.59
